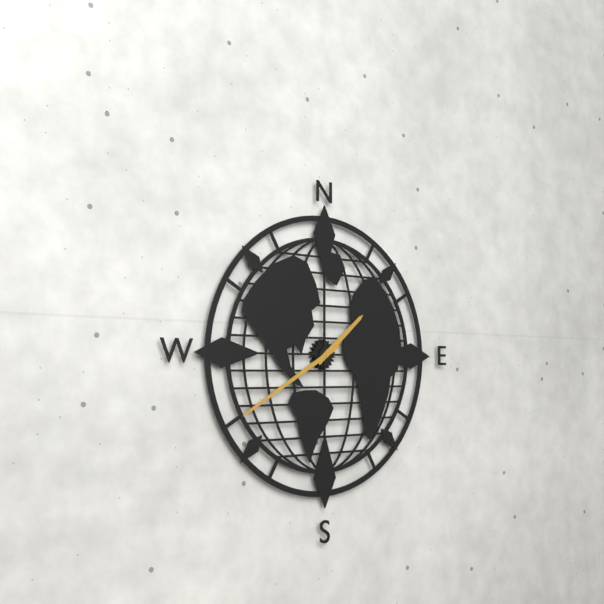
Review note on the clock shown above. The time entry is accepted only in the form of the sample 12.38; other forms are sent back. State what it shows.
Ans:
1.40
